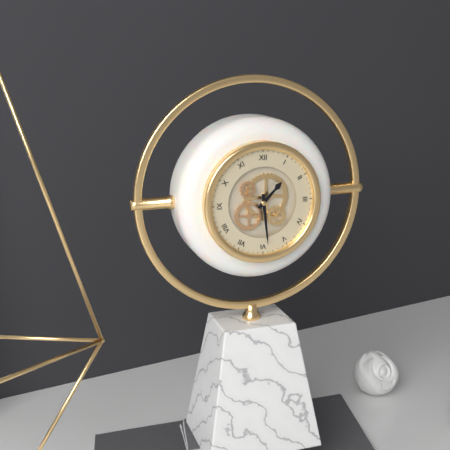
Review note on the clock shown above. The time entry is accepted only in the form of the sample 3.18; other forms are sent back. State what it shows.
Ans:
1.29
